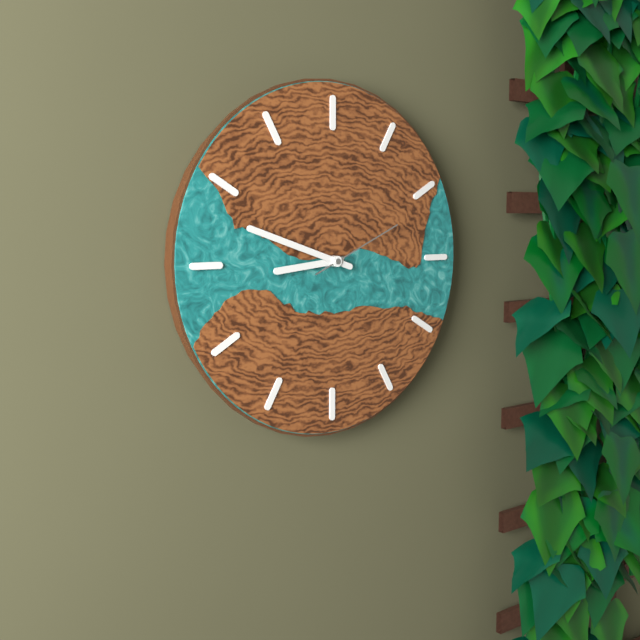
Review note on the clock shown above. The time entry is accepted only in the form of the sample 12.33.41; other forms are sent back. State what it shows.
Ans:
8.48.11
